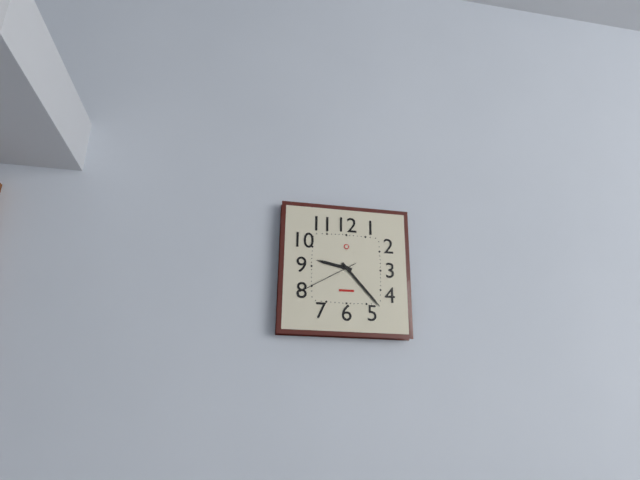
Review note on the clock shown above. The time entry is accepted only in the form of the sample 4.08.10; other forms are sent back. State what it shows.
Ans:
9.23.40
